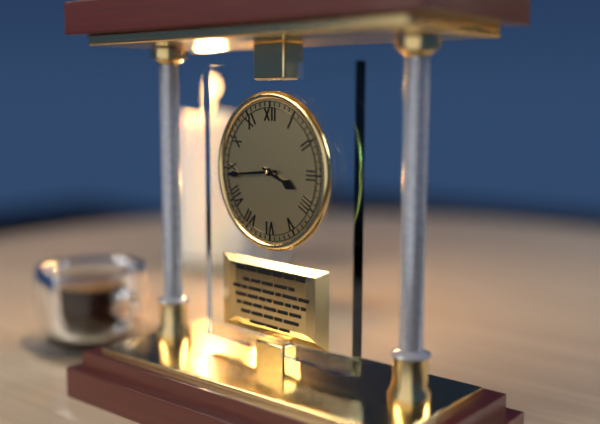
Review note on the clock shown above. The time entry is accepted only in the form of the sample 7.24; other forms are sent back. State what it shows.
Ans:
3.44
